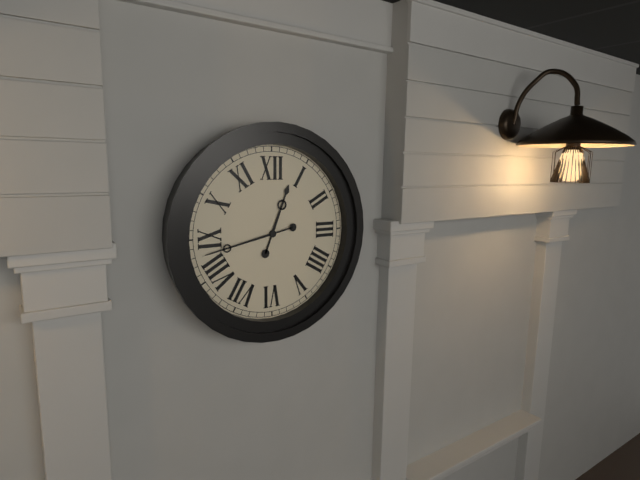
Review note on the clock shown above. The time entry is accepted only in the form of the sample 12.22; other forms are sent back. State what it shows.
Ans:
12.43
